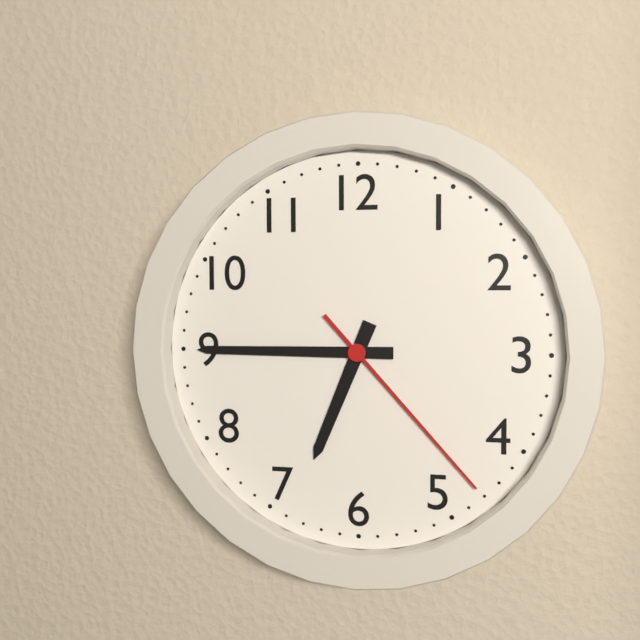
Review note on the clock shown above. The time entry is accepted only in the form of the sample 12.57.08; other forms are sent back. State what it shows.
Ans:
6.45.23
